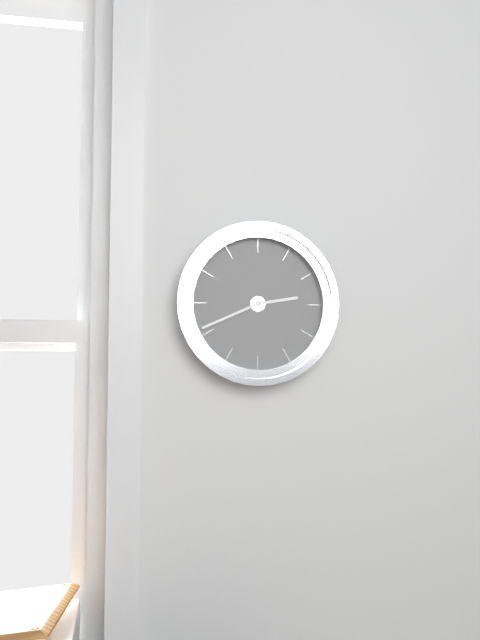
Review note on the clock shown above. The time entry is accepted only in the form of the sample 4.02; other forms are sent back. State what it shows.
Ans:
2.41
